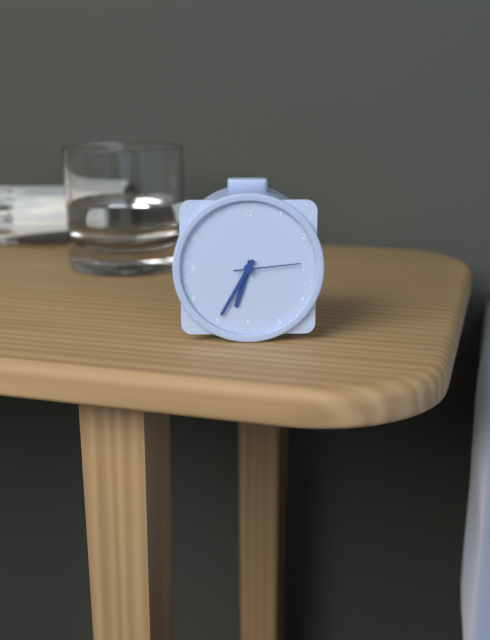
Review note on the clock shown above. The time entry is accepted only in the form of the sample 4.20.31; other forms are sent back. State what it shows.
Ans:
6.35.14
